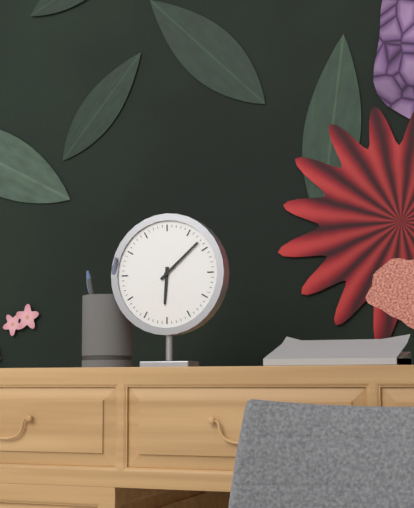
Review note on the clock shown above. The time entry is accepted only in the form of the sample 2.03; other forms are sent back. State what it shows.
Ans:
6.08
